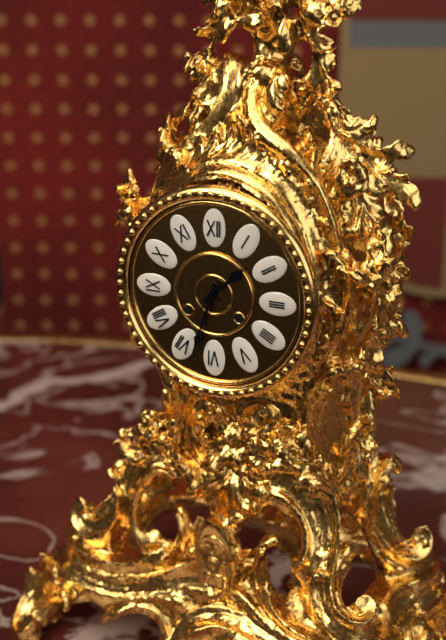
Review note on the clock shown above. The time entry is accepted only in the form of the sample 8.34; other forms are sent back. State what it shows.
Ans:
1.33
